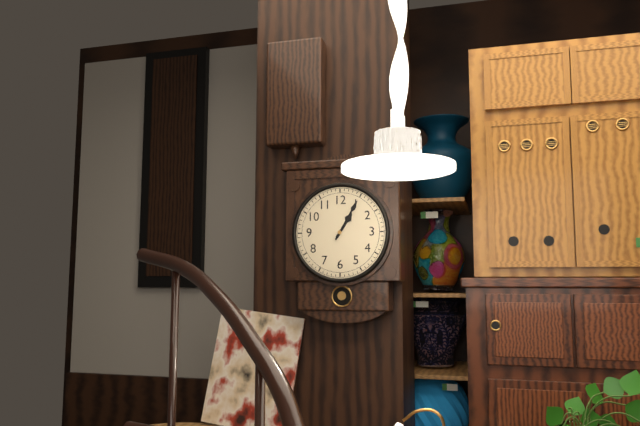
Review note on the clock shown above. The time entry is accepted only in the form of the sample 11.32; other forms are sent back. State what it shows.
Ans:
1.05
